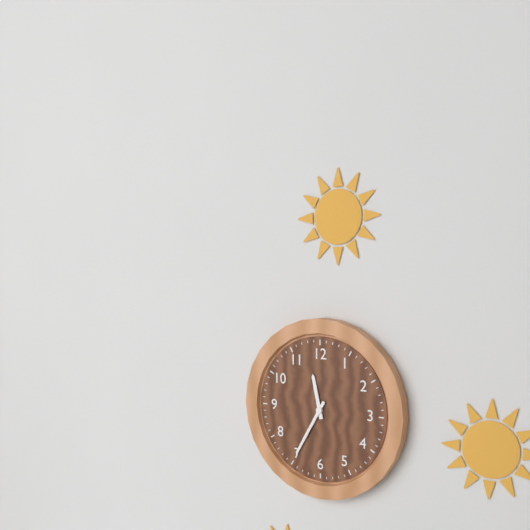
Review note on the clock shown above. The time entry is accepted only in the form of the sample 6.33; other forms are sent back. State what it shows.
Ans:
11.35
